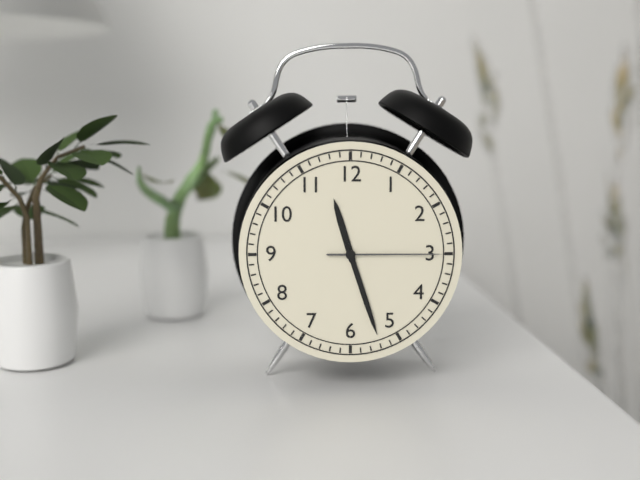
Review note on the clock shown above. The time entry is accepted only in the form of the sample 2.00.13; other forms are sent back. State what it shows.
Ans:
11.27.15
